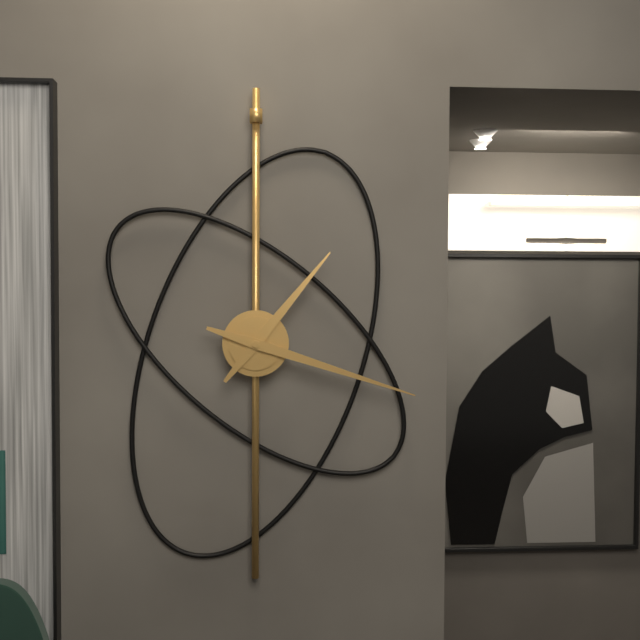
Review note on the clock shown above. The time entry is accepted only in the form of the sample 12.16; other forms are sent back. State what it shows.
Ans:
1.18
